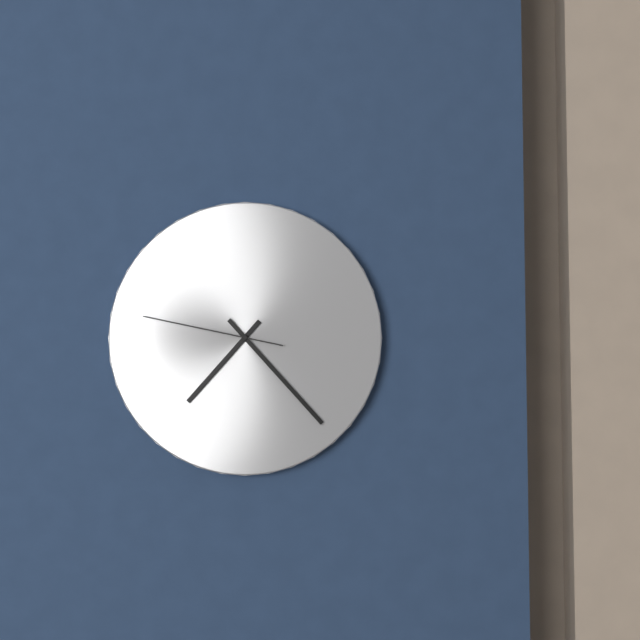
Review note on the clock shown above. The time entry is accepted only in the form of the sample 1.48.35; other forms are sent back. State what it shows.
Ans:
7.23.47
